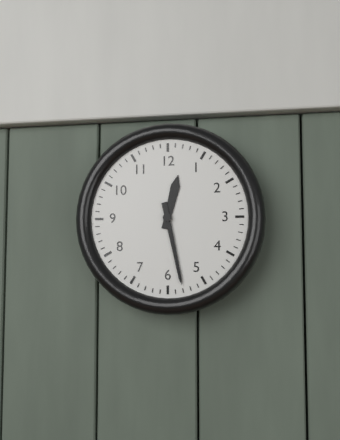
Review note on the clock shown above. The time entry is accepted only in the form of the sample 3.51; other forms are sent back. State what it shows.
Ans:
12.28
